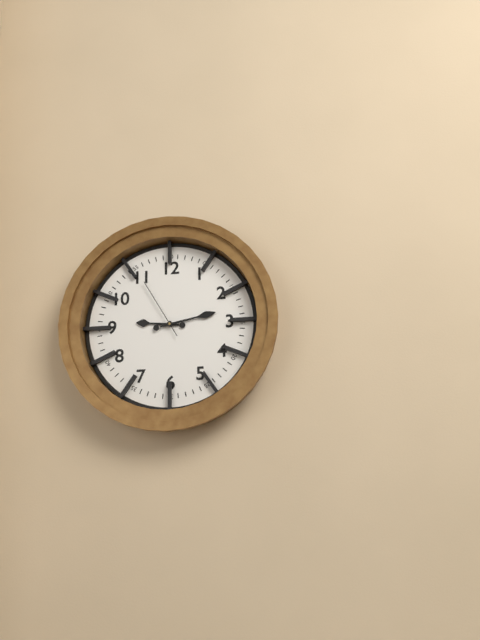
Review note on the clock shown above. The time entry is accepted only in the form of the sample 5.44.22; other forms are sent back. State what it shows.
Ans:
9.13.55
